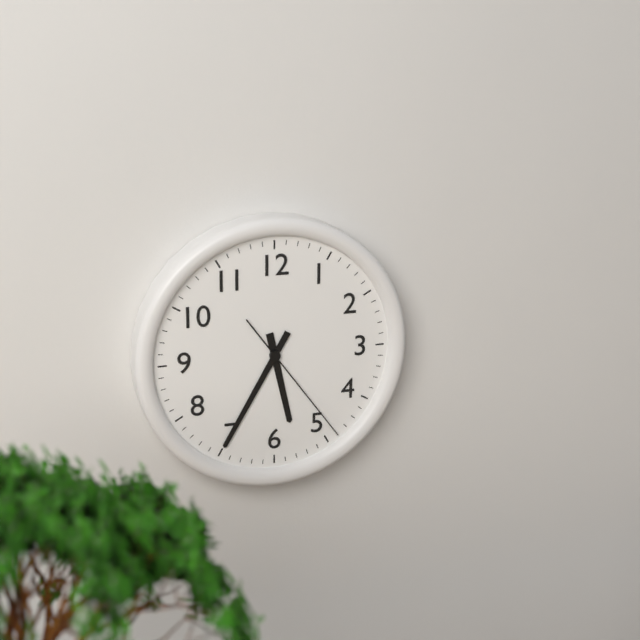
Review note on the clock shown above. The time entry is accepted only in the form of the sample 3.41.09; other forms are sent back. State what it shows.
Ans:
5.35.24
